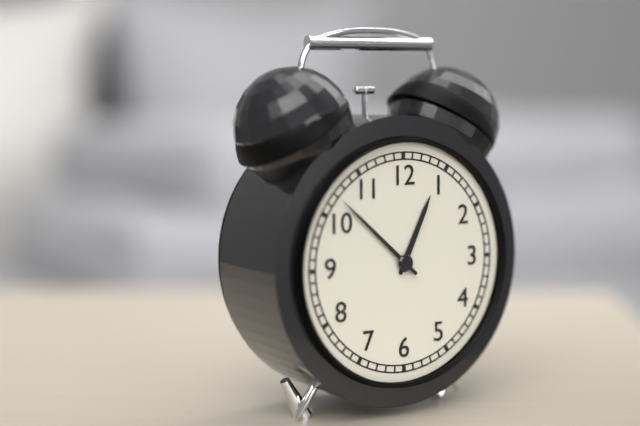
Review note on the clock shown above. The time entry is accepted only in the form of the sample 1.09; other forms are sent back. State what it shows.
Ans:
12.52
